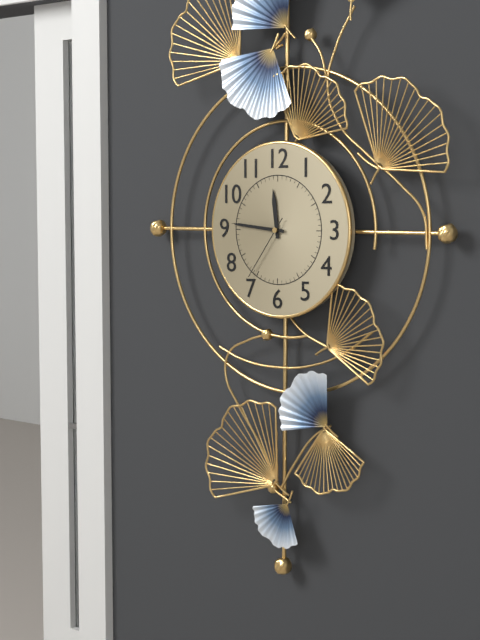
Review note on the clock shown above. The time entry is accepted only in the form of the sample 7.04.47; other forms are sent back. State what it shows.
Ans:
11.46.36
